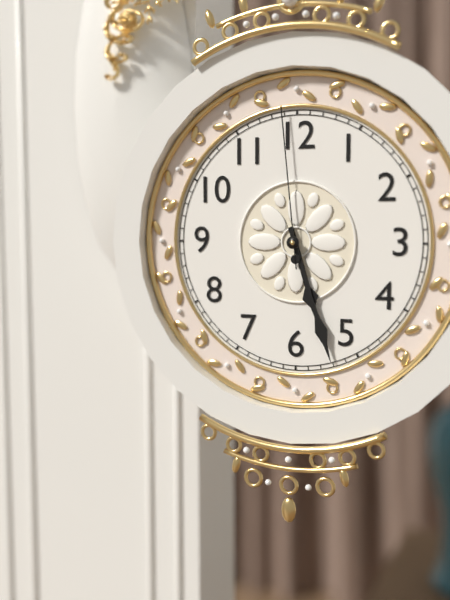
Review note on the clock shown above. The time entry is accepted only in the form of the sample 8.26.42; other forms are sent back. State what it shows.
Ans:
5.27.59
